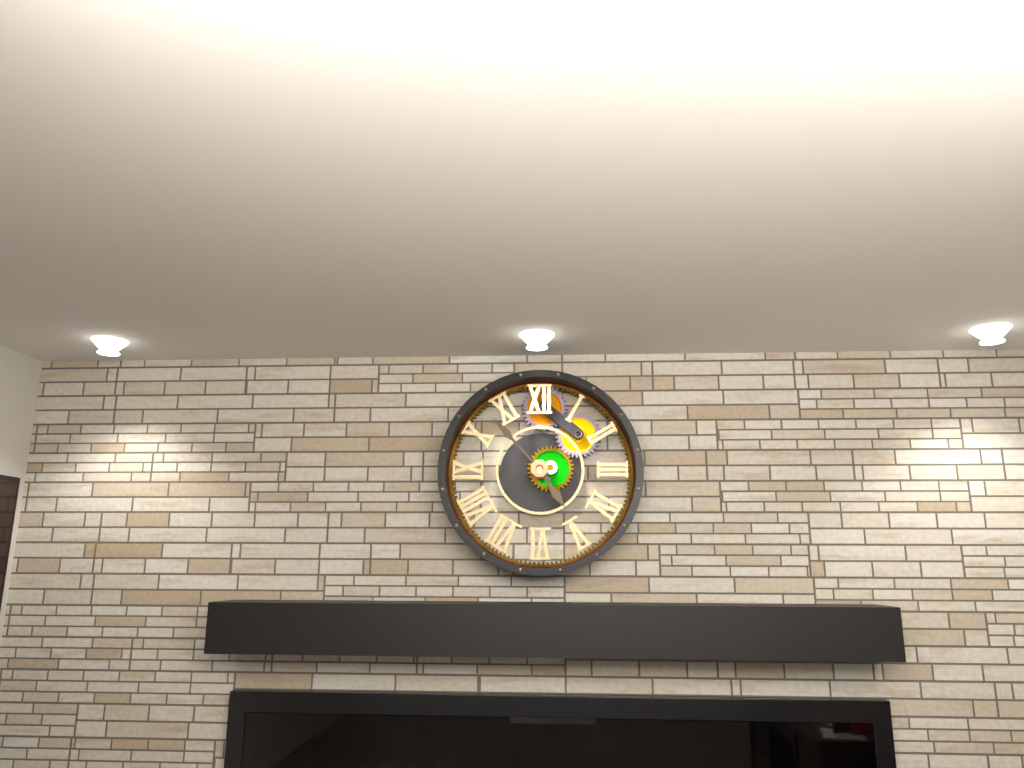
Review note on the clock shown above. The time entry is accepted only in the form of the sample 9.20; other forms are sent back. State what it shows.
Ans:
4.53
